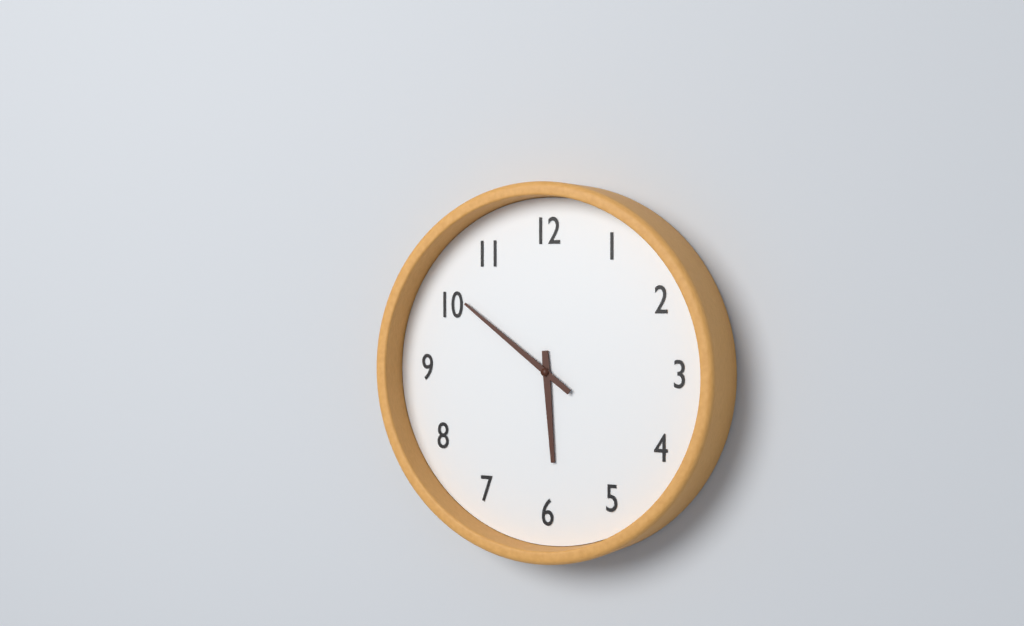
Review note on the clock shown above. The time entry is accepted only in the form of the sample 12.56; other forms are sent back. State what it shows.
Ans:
5.51
